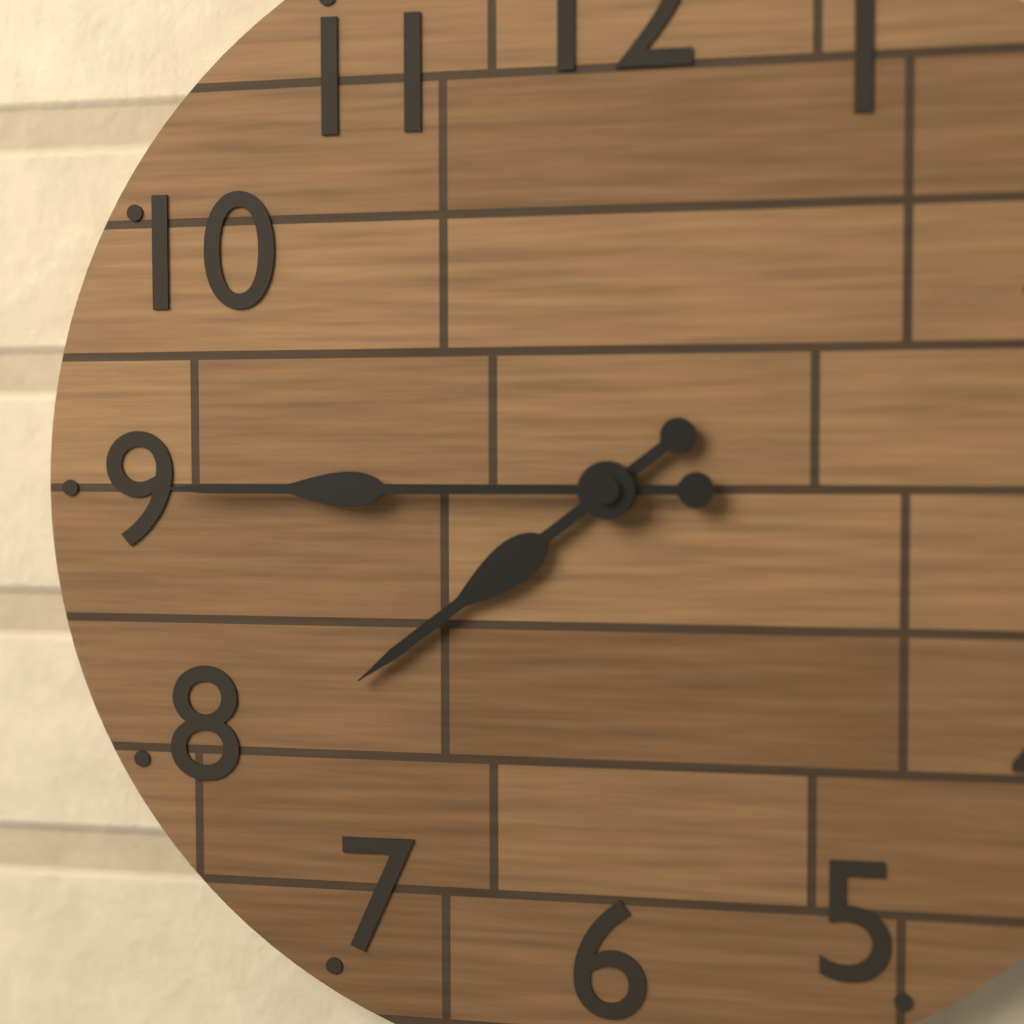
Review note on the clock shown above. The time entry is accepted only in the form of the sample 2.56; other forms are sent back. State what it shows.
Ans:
7.45
